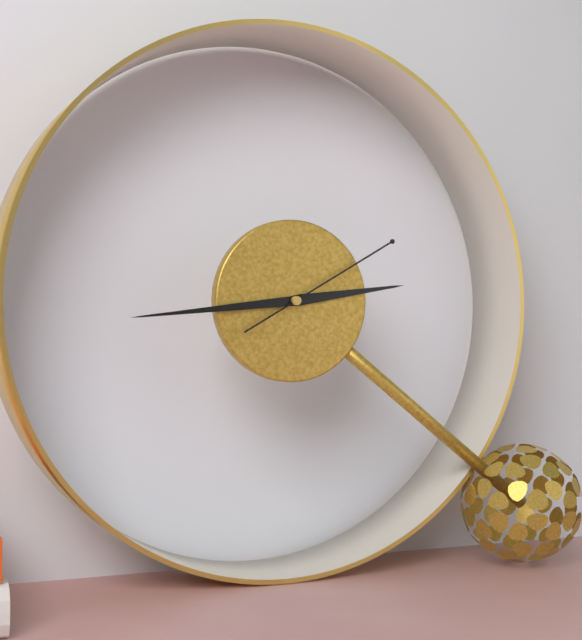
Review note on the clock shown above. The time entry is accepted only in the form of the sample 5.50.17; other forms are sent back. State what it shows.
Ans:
2.44.10
